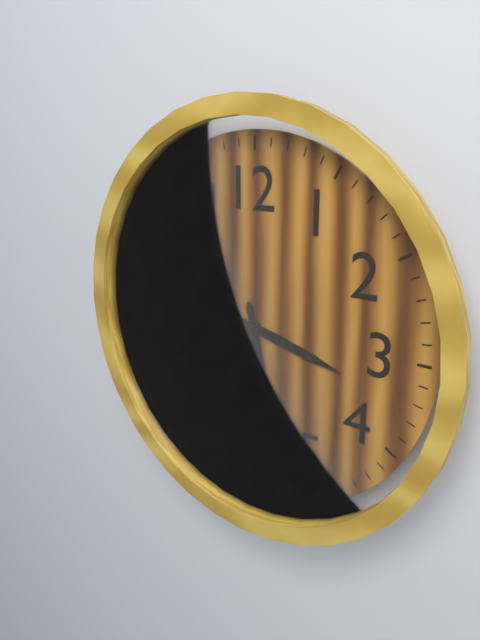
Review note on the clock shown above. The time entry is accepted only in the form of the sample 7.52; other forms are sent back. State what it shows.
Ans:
3.28
